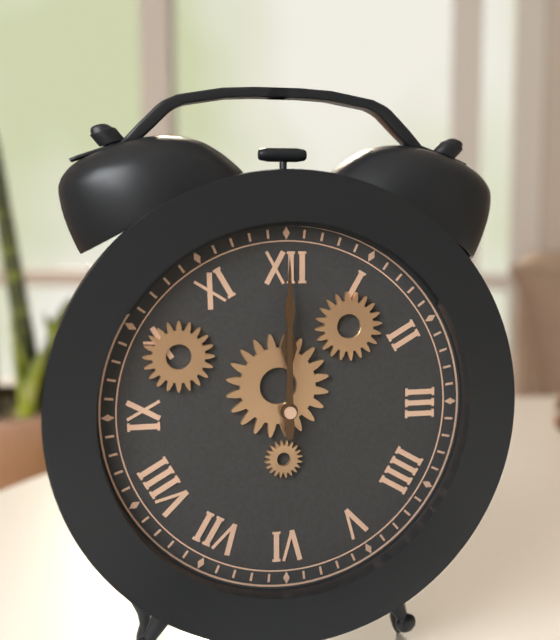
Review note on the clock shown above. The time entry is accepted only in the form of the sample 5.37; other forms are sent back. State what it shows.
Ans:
12.00
